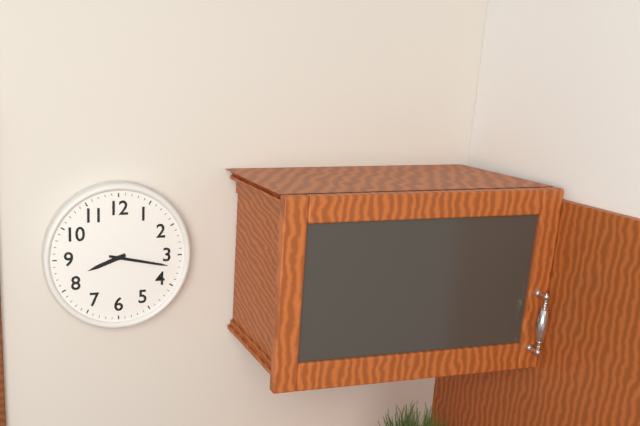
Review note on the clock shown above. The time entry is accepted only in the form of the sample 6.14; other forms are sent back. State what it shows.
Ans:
8.17
